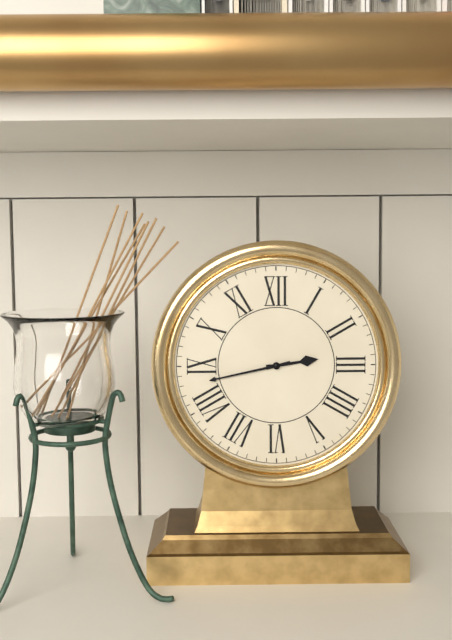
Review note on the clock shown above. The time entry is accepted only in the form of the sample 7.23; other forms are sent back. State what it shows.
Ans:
2.43
